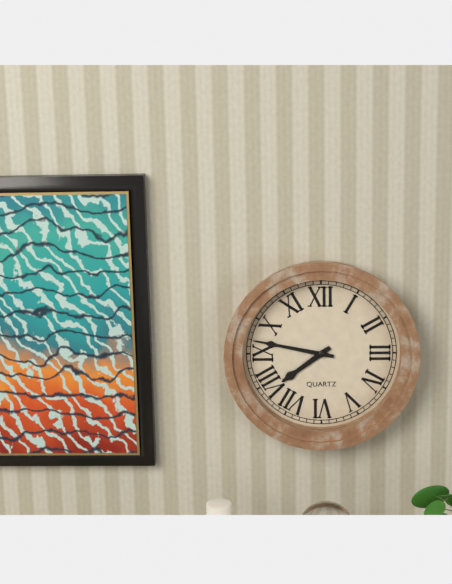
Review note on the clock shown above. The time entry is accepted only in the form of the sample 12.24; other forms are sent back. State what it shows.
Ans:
7.47
